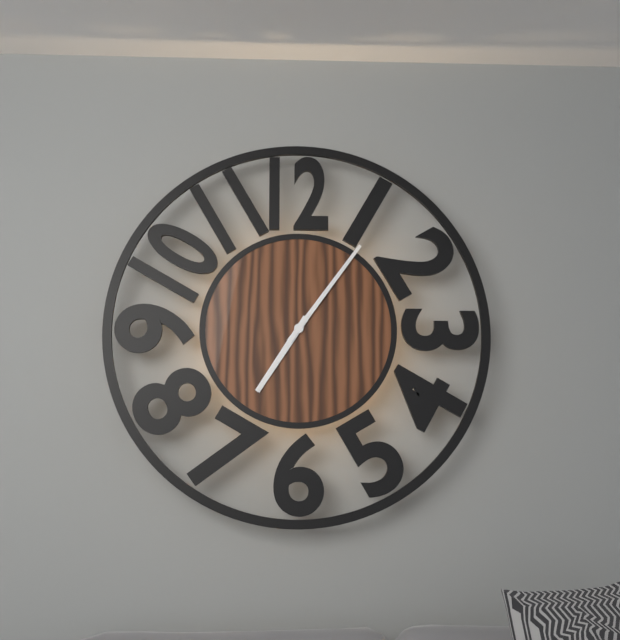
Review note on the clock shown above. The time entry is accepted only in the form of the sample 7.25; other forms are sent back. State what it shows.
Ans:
7.06
